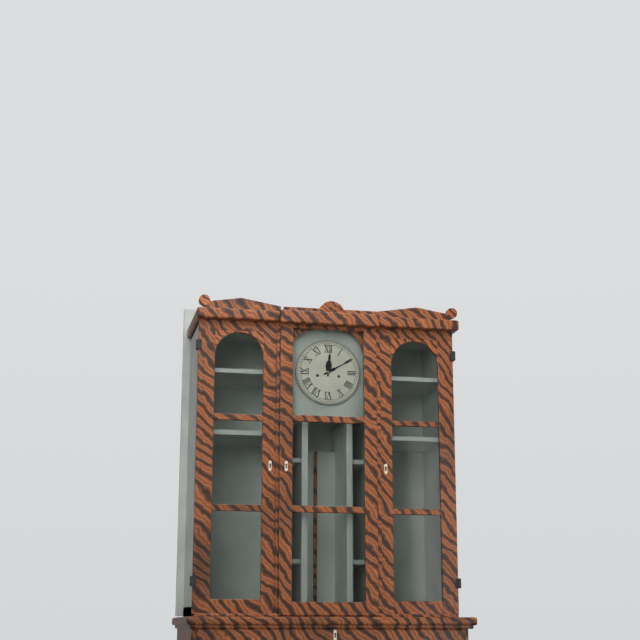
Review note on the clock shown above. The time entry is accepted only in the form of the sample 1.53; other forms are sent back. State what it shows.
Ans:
12.10
